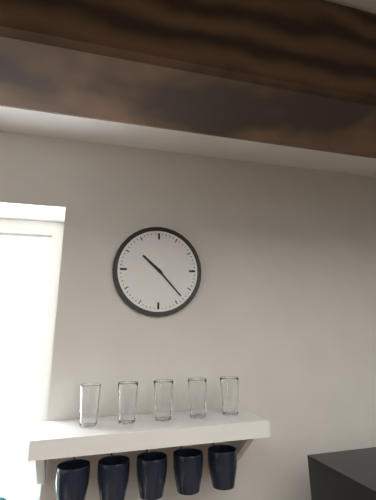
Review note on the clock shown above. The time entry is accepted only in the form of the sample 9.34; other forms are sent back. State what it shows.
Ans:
10.23
